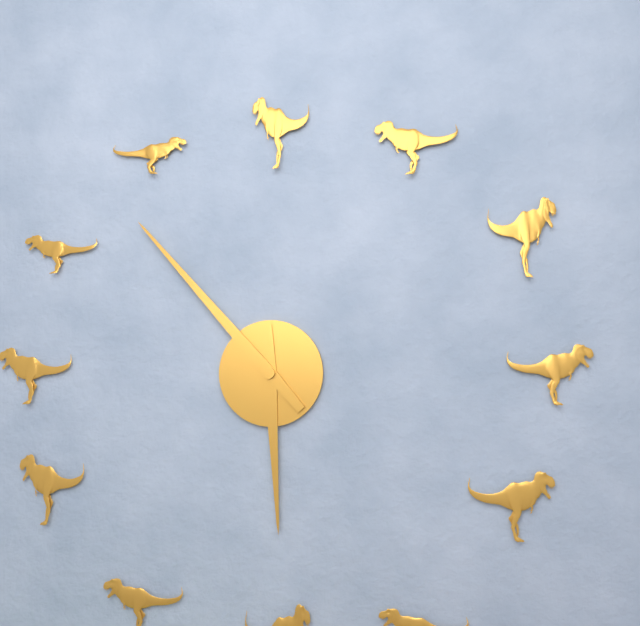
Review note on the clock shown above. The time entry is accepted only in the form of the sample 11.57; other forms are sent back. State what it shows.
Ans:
5.53
